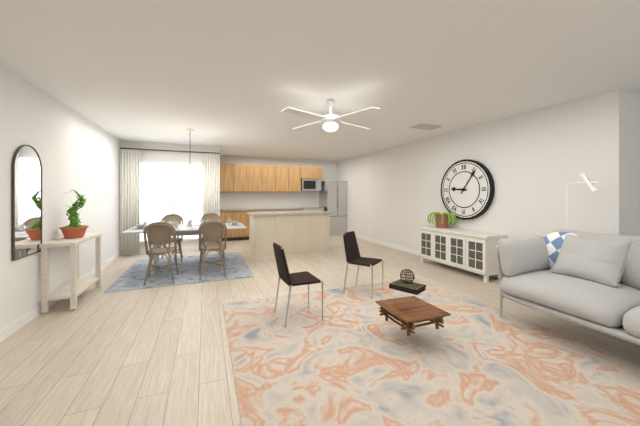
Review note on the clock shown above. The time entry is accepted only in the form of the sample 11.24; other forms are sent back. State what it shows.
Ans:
9.06
